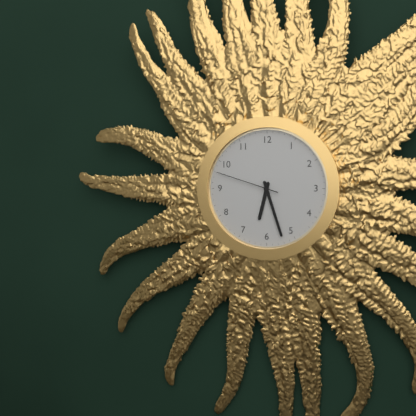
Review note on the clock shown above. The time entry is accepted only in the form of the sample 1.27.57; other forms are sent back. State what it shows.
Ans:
6.27.48
